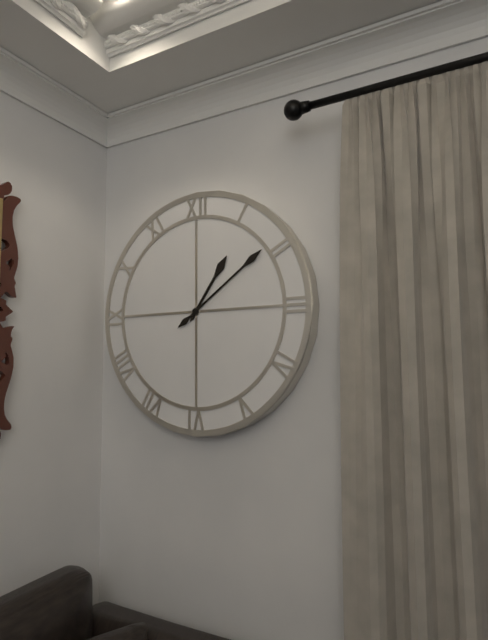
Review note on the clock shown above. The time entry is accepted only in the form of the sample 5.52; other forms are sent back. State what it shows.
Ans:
1.09
